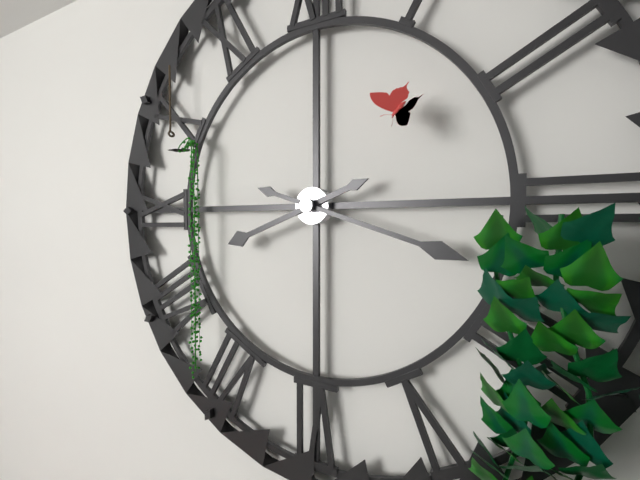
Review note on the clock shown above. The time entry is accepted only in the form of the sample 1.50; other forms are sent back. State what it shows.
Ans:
8.18
